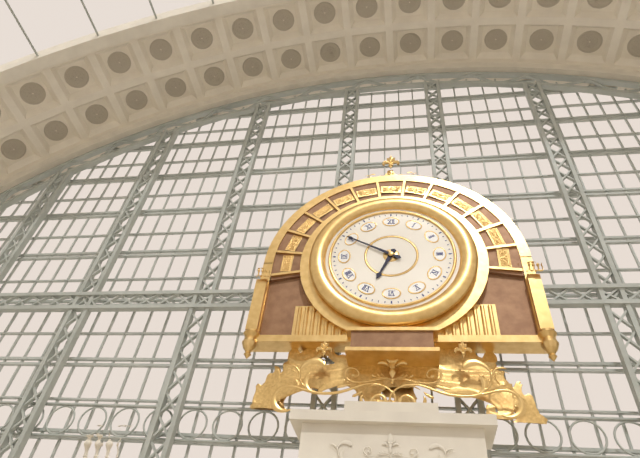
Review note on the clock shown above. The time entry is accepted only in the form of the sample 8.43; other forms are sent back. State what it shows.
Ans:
6.50
